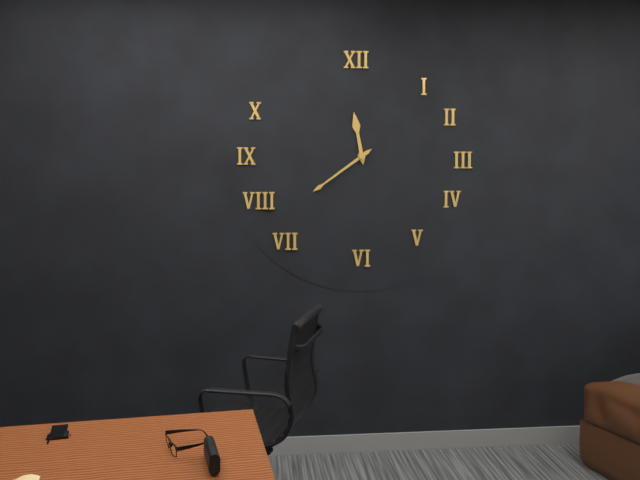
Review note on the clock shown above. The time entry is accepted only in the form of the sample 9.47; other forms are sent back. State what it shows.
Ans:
11.39
